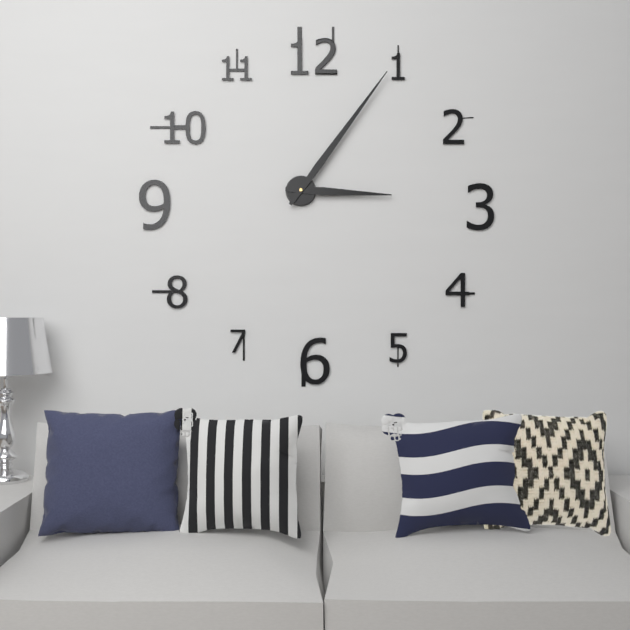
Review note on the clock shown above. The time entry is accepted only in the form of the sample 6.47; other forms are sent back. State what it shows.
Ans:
3.06
